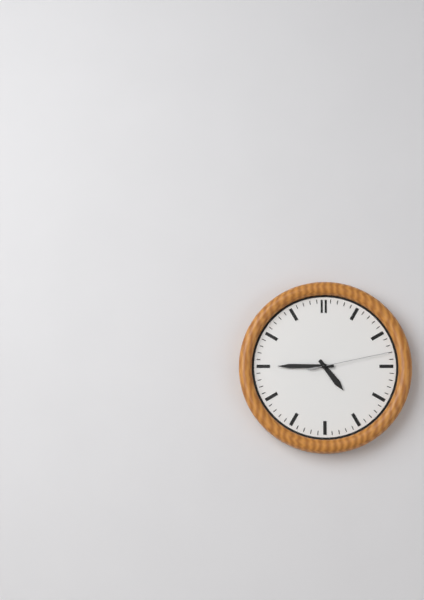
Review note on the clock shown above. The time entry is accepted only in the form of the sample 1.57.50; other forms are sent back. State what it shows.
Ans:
4.45.13
